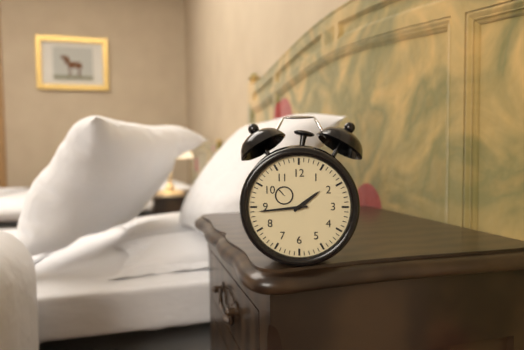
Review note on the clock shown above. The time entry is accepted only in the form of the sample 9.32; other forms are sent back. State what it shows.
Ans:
1.44
